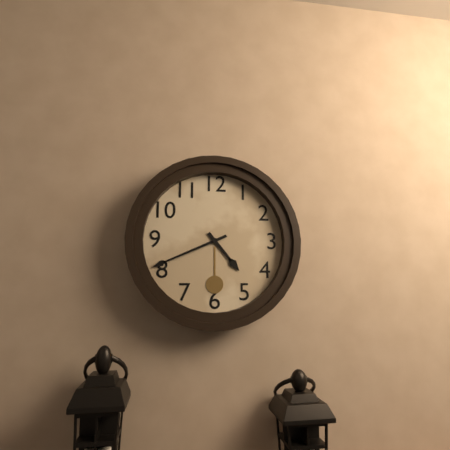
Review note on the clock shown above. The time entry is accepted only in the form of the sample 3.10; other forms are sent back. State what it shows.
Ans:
4.41
